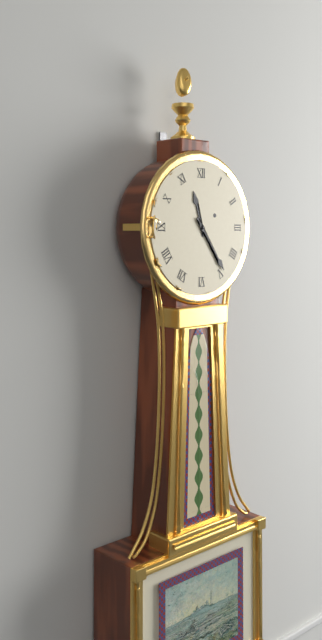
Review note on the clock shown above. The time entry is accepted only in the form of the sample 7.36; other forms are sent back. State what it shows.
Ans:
11.24
